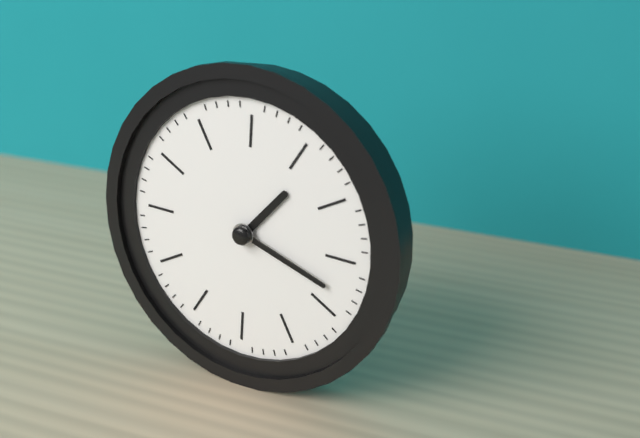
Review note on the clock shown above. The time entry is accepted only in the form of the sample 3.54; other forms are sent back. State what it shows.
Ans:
1.18
